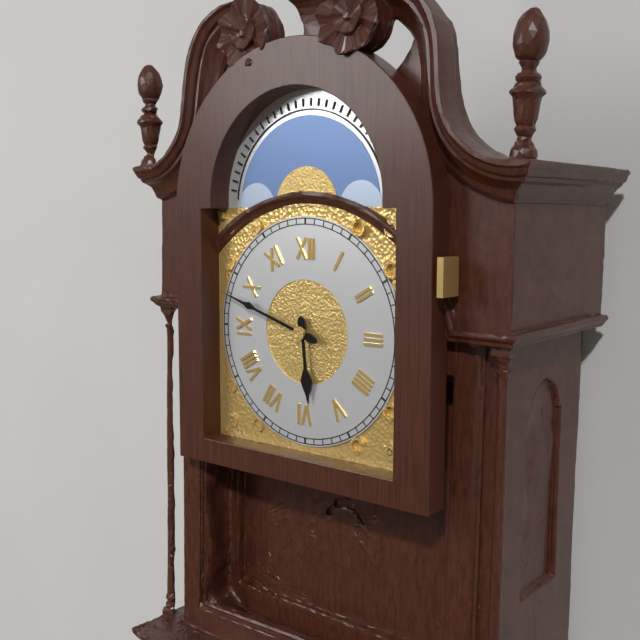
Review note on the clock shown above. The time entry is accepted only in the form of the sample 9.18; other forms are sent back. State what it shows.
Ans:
5.48
